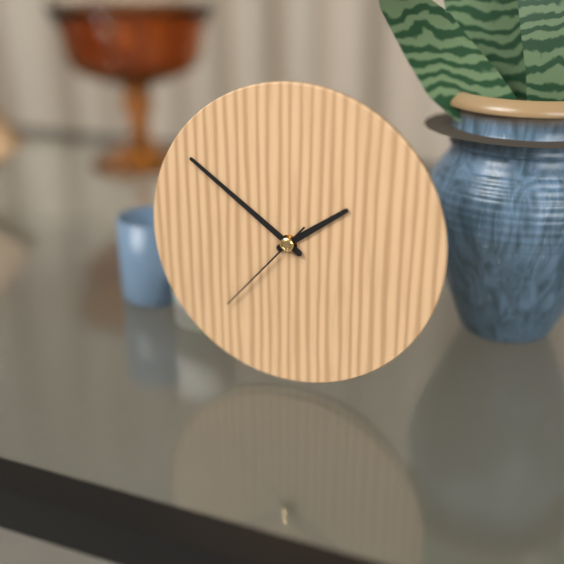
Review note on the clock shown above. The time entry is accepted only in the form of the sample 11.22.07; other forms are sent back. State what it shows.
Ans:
1.51.37
